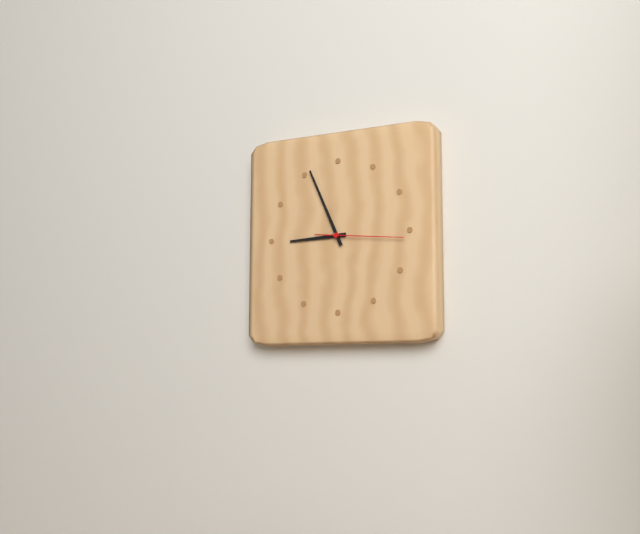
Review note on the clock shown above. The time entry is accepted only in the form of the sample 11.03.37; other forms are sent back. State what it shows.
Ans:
8.56.16
